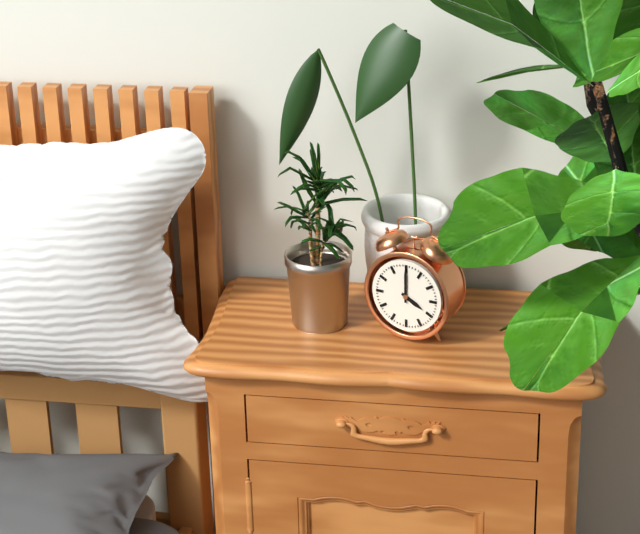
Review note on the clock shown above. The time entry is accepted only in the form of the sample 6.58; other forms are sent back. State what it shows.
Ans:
4.00
